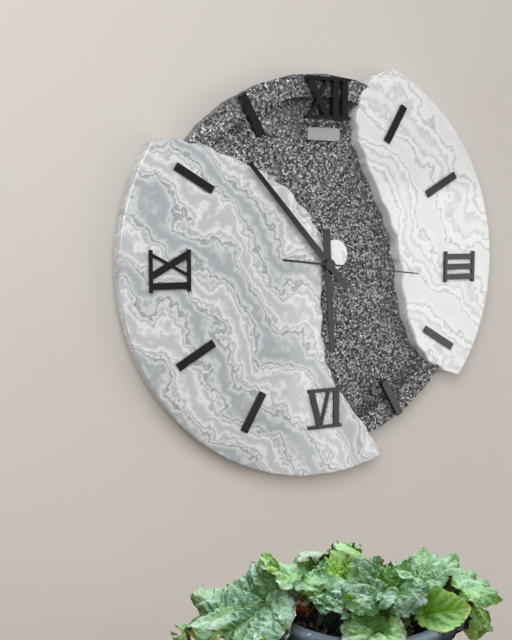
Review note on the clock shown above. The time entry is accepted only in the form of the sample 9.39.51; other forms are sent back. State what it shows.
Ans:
5.53.16
